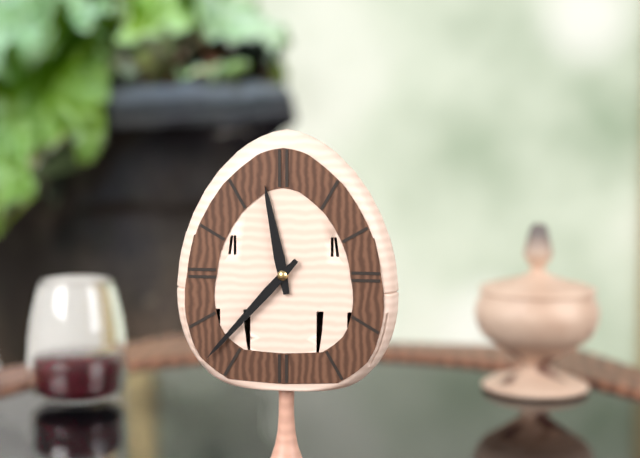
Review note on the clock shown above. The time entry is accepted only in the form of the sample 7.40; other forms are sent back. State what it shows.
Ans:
11.37
